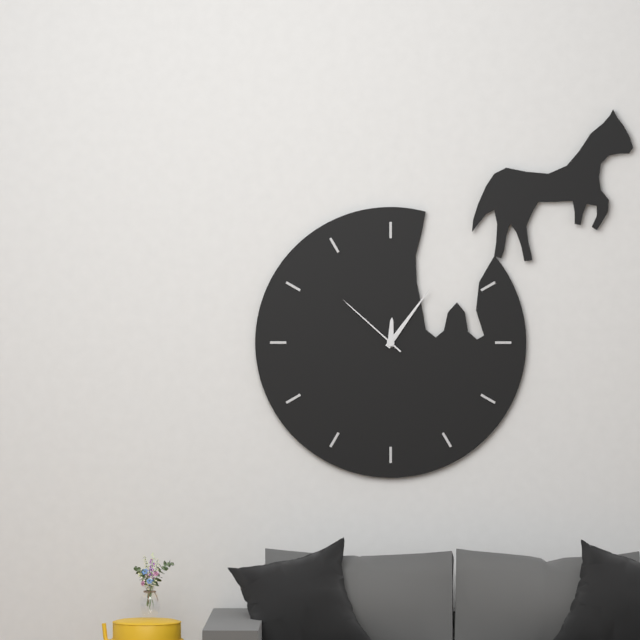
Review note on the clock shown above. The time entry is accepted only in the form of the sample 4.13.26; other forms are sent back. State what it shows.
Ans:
12.06.52
